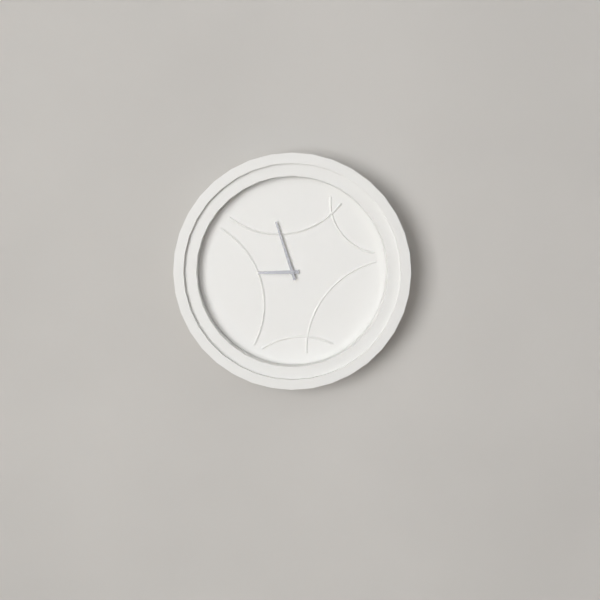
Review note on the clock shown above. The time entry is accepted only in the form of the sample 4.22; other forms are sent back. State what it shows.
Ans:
8.57
